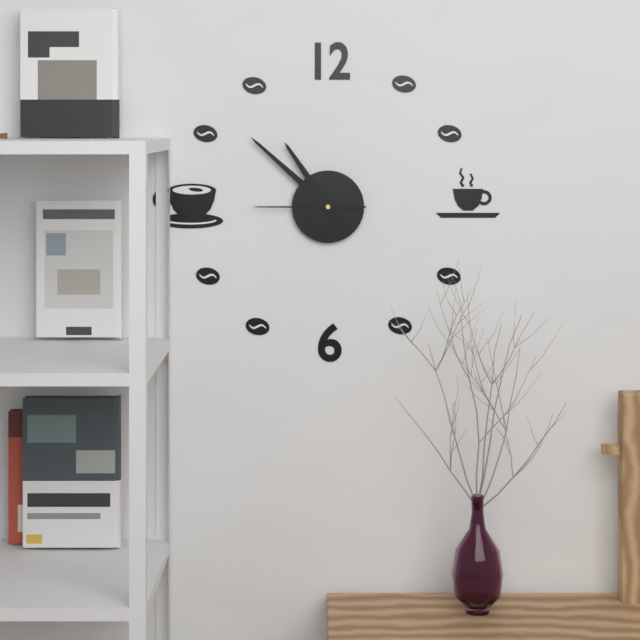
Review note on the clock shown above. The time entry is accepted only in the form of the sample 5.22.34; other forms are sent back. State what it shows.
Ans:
10.52.45
